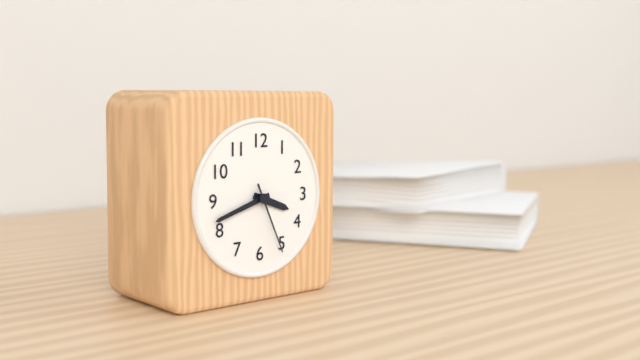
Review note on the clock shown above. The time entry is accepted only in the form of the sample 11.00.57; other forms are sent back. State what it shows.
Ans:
3.42.26
